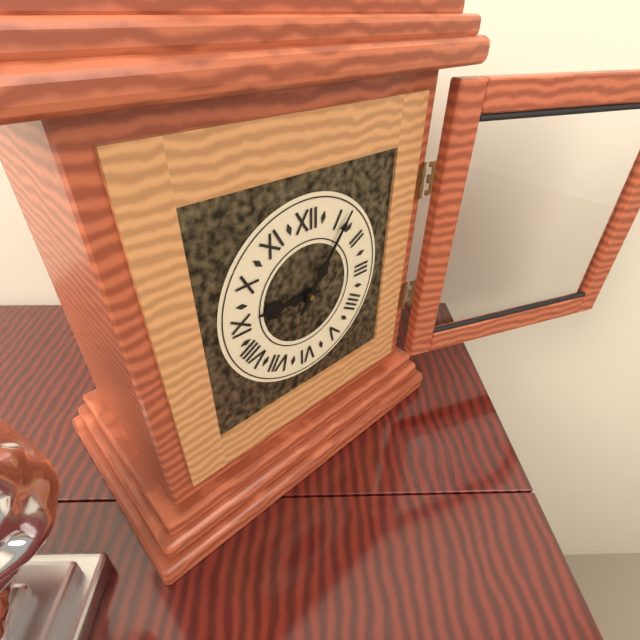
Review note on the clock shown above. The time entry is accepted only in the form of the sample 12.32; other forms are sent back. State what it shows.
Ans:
9.06
